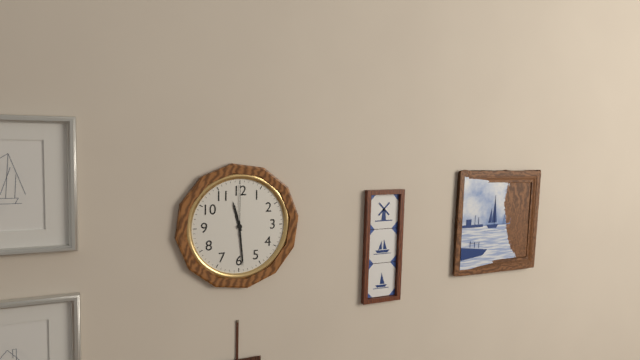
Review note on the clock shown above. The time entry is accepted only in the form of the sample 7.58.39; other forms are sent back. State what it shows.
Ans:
11.29.00
